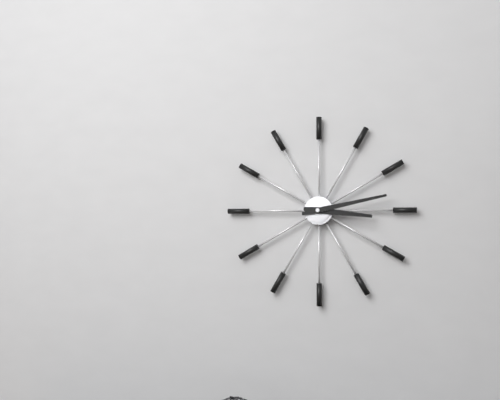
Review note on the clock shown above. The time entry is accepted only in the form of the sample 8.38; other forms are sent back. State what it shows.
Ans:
3.13
